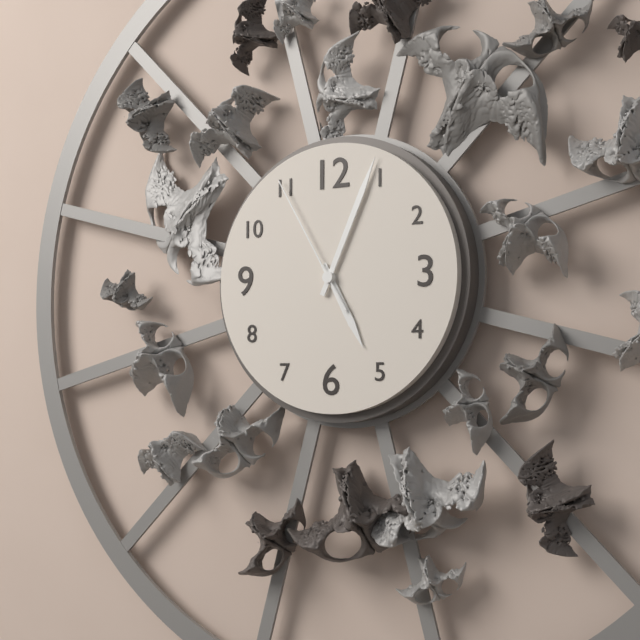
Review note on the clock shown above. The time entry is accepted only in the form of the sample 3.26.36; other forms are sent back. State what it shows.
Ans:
5.04.55
